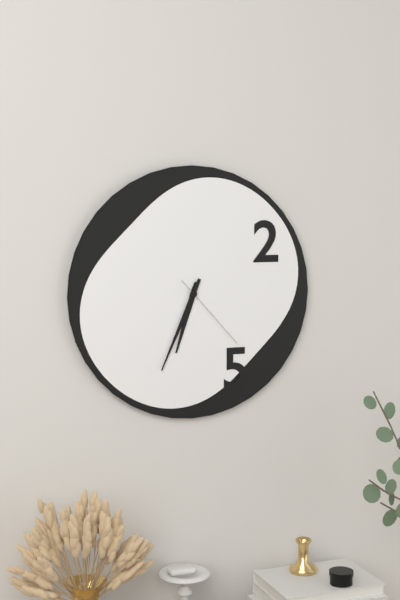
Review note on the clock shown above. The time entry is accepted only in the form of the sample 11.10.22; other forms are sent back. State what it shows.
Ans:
6.34.23
